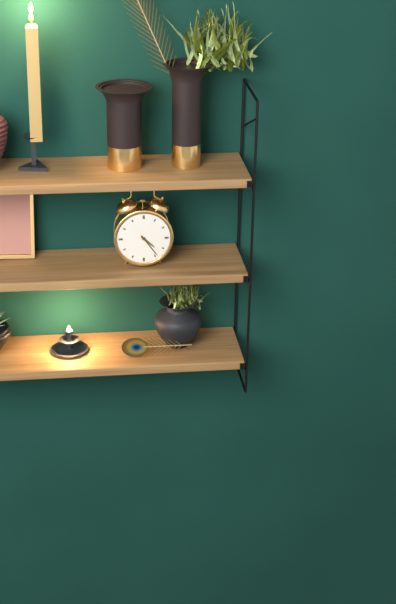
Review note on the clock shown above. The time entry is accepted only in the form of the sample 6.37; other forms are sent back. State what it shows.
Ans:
4.24
